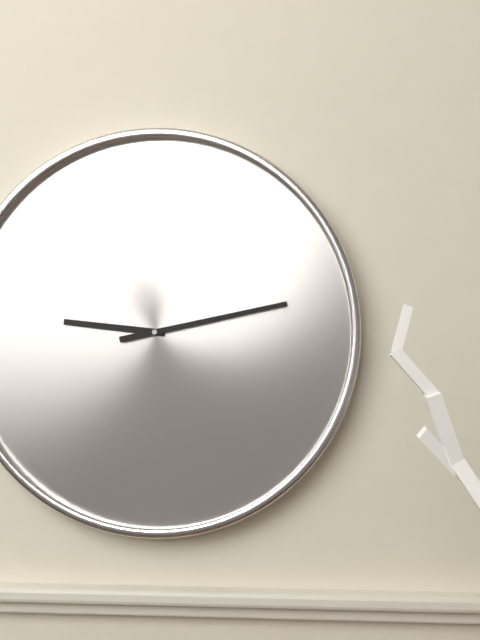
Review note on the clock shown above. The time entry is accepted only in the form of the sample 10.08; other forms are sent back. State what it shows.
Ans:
9.13
